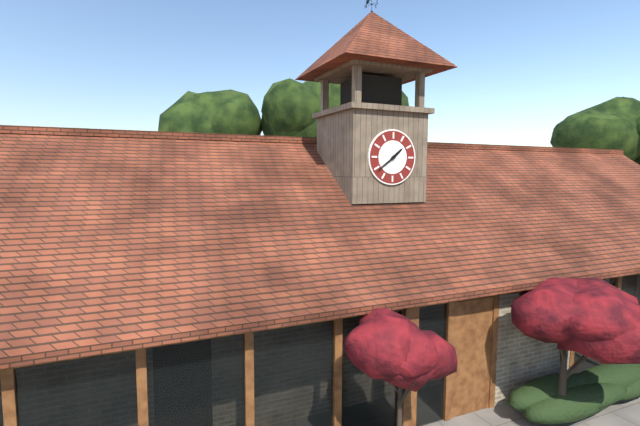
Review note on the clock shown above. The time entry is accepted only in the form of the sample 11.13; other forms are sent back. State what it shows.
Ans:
1.39
